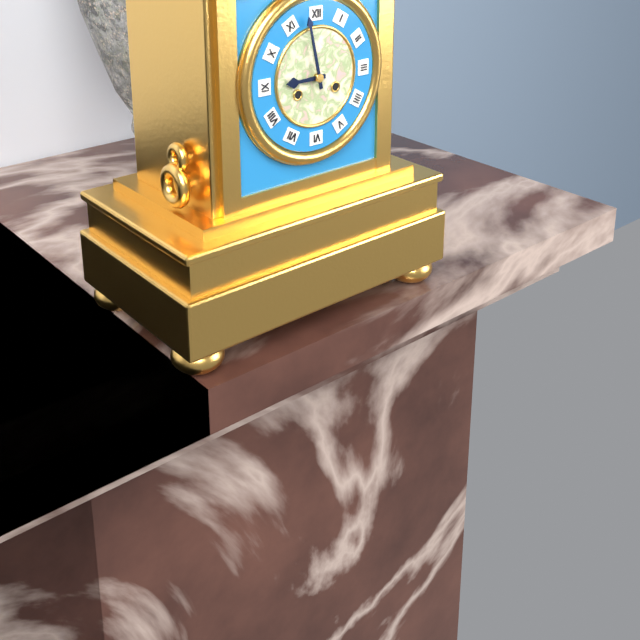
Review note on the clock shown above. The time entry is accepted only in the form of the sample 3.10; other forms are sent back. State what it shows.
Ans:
8.58
